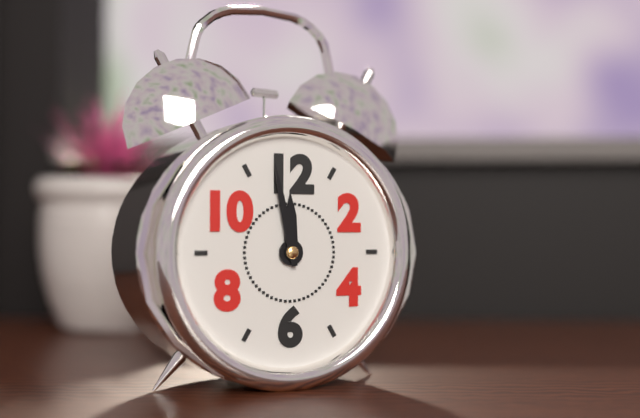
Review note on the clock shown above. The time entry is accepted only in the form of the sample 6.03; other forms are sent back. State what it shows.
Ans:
11.58
